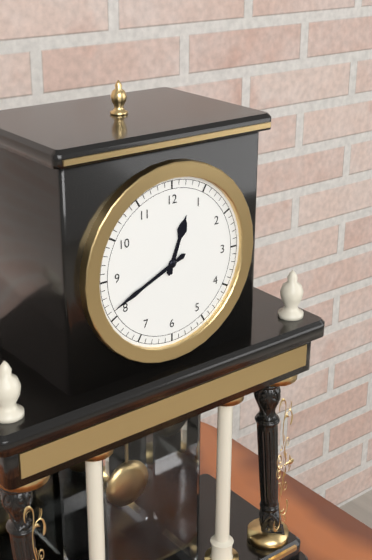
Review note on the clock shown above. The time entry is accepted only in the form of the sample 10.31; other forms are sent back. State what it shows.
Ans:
12.41
